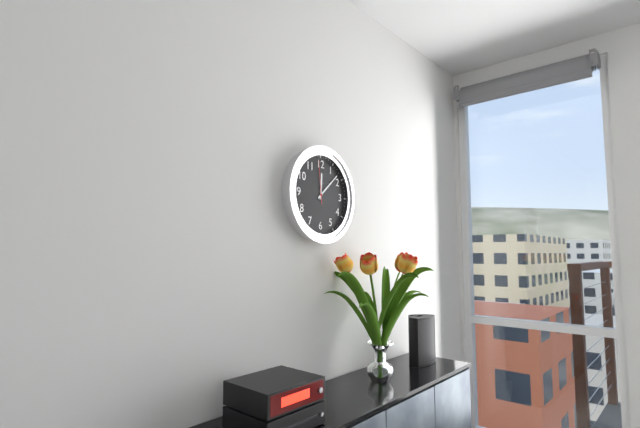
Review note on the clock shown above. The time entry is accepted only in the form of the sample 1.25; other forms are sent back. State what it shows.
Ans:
12.08
